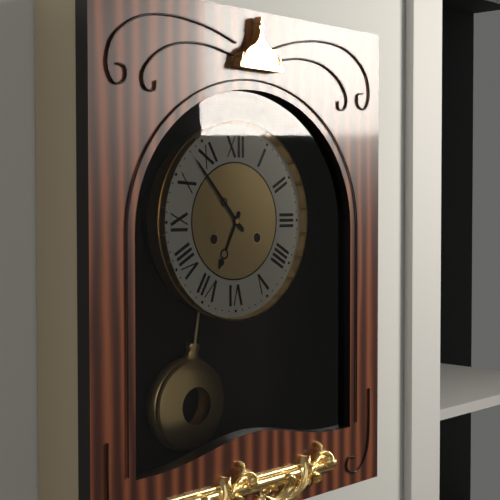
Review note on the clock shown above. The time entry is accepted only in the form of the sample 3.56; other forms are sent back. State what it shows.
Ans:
6.53
